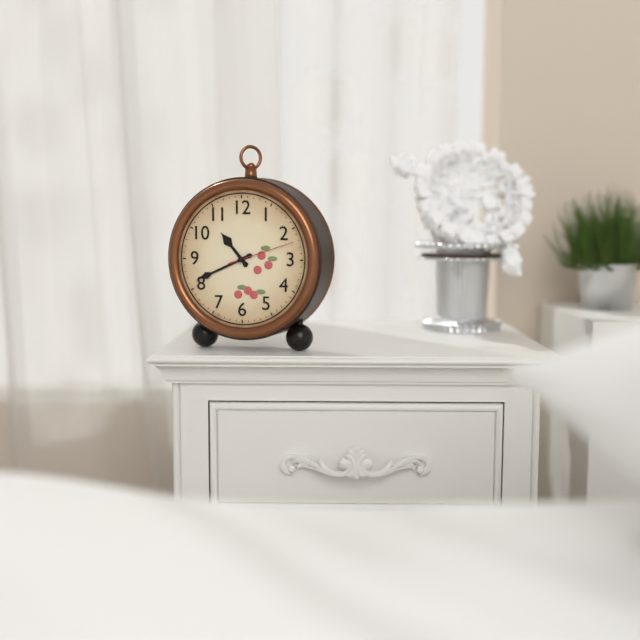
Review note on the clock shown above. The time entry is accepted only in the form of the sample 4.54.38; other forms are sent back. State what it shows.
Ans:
10.41.12
